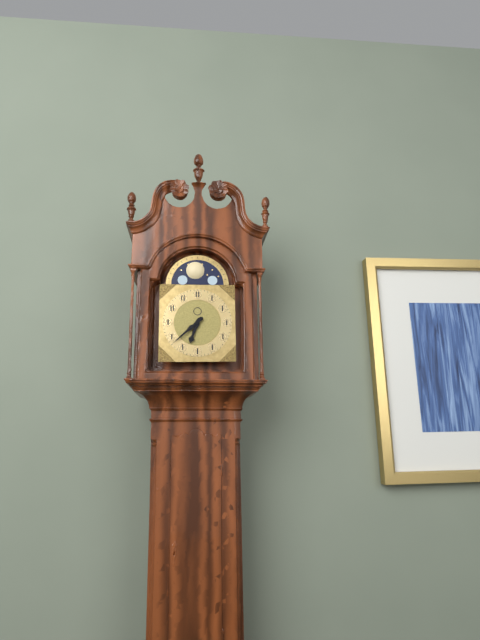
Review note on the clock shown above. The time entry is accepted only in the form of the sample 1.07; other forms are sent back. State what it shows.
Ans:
6.38
